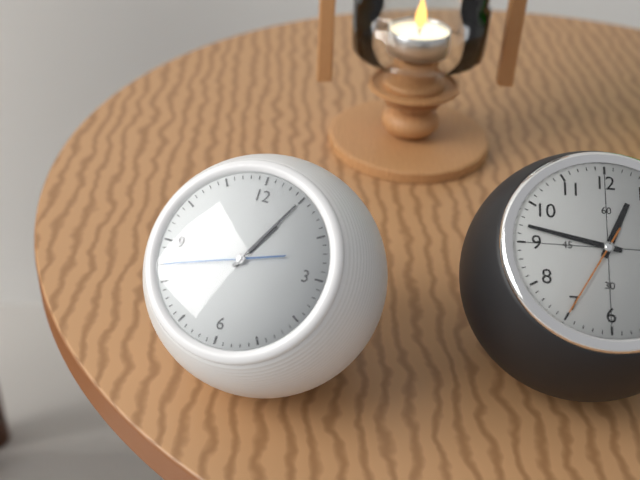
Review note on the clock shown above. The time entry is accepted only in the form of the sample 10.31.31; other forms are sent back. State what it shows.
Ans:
1.05.42
